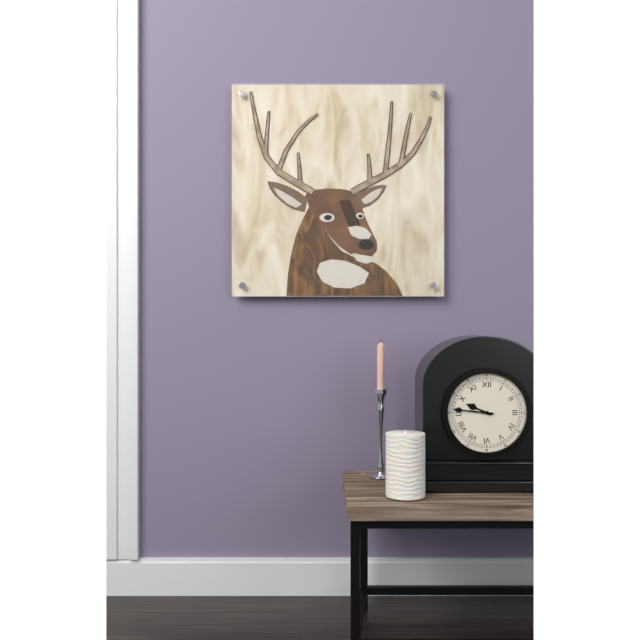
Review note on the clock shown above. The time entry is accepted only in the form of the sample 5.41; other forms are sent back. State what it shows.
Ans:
9.46
